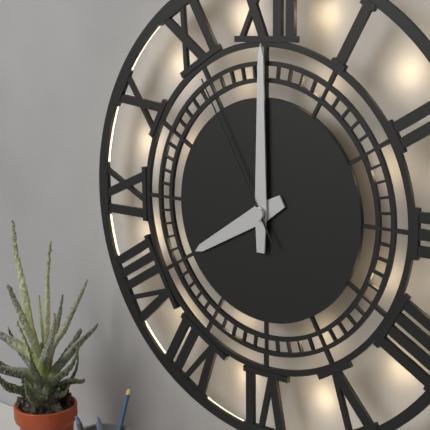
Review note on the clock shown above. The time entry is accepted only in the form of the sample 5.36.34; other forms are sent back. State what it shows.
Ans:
8.00.55
